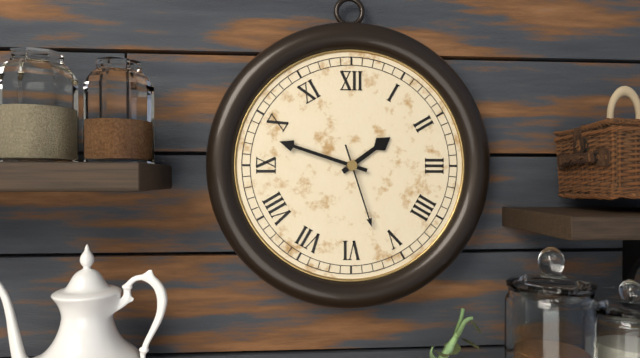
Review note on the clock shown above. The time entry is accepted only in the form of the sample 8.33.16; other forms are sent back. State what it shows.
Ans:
1.48.27
